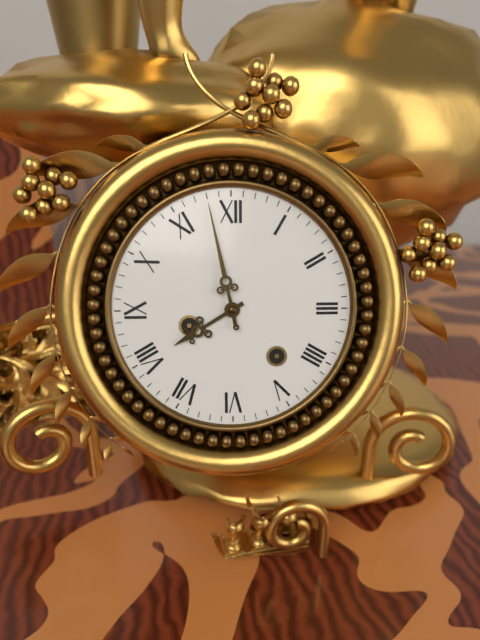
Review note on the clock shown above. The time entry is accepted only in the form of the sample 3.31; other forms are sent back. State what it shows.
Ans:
7.58
